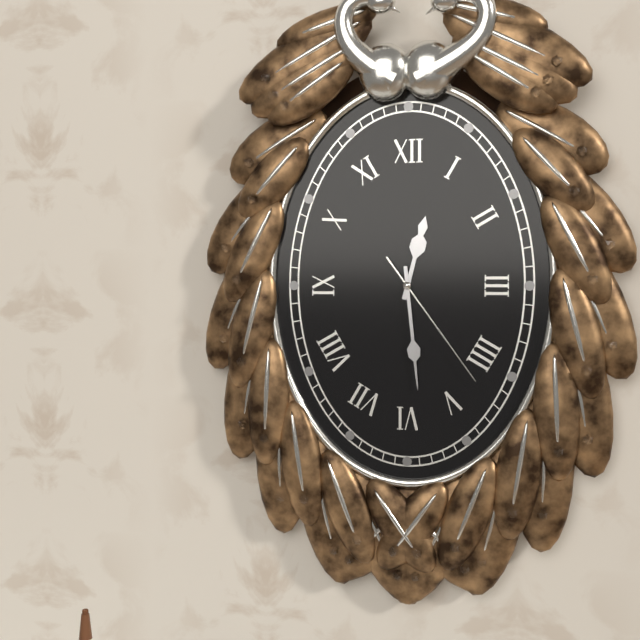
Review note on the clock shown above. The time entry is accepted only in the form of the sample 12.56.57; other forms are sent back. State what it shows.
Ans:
12.29.24
